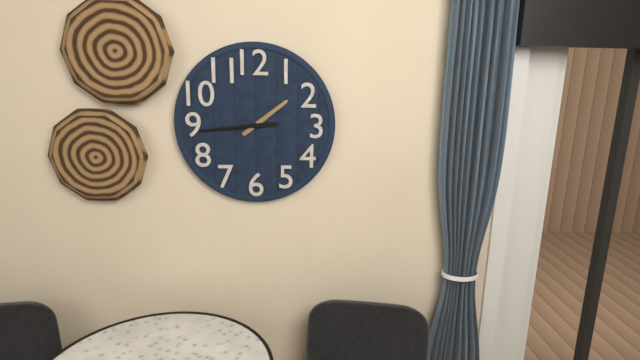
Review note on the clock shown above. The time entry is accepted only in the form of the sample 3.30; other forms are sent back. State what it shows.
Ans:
1.44
